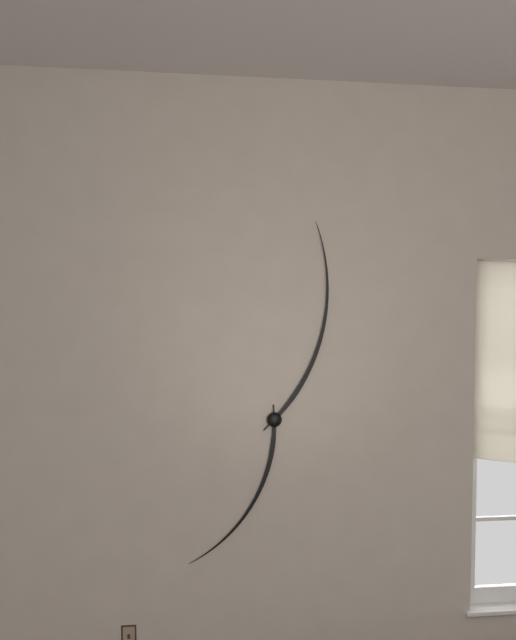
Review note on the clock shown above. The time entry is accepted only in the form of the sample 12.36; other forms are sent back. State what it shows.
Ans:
7.02
